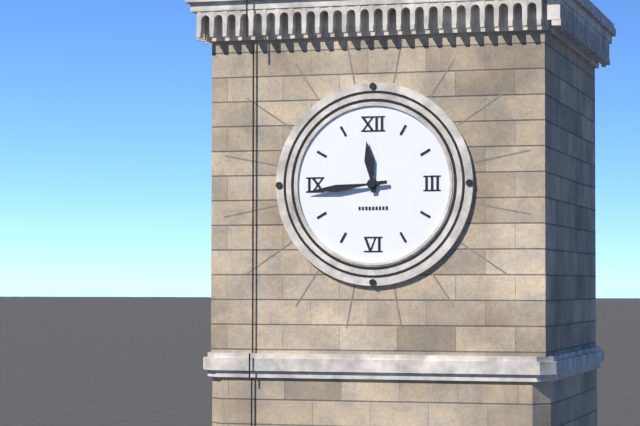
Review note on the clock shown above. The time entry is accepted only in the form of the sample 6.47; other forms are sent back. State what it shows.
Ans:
11.44
